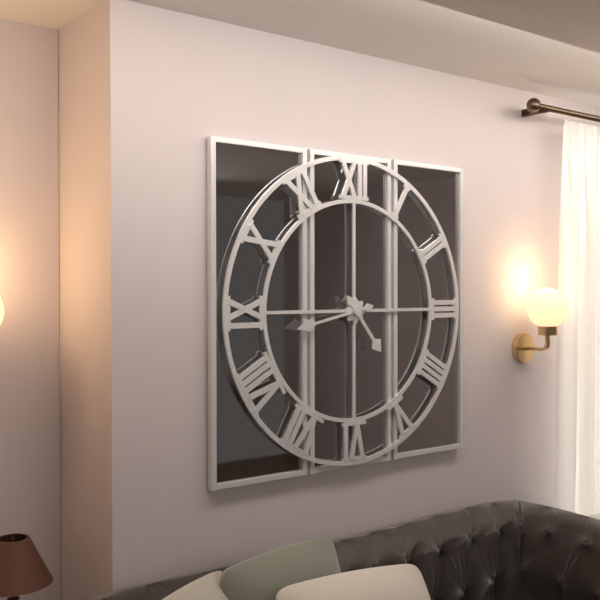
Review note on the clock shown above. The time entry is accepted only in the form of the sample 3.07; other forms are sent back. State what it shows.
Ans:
4.43
